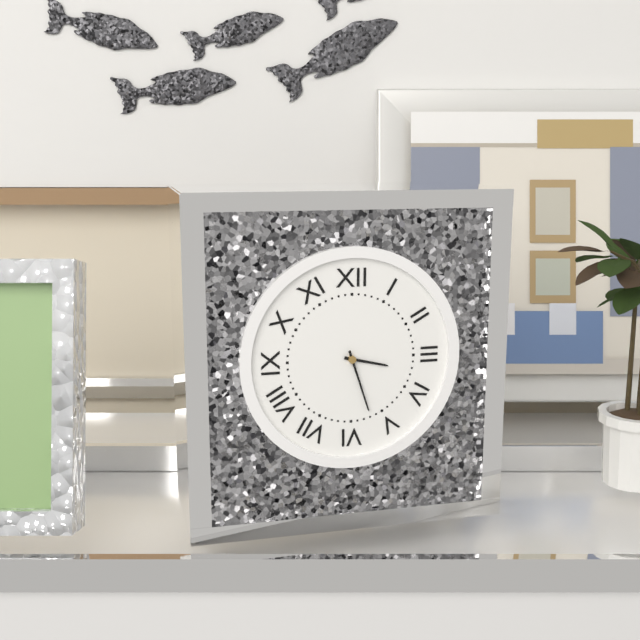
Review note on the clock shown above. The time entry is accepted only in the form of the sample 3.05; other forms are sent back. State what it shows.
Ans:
3.27
